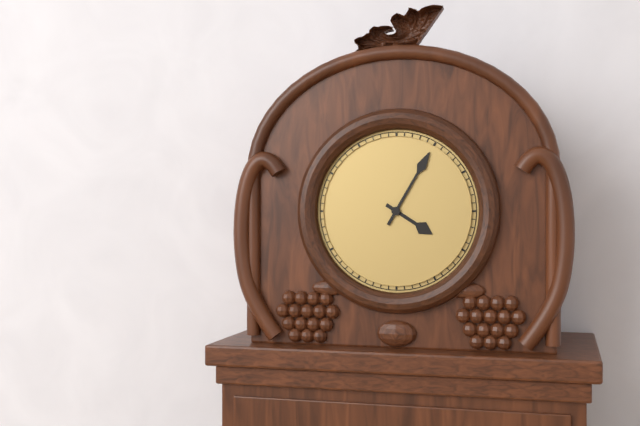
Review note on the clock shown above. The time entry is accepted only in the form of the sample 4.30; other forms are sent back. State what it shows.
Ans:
4.05
